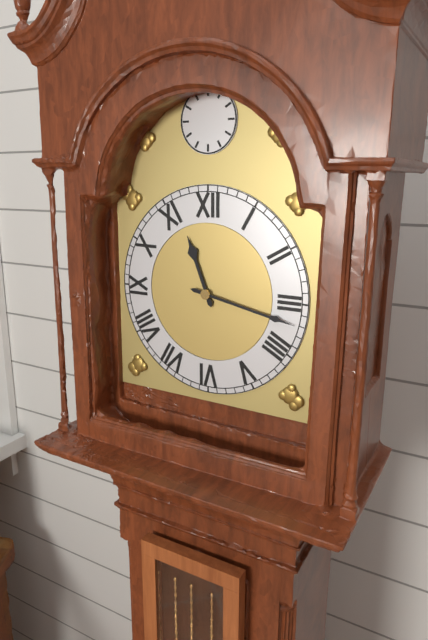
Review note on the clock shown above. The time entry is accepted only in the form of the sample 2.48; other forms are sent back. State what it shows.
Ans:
11.17
